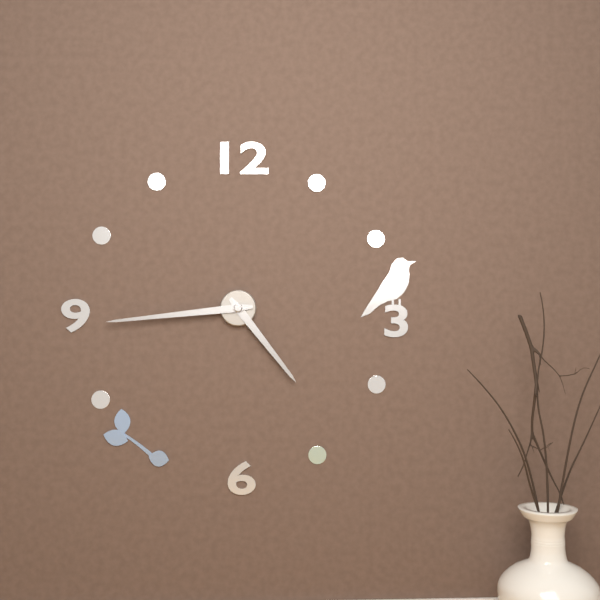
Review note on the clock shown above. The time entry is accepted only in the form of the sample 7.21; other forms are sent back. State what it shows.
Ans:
4.44
